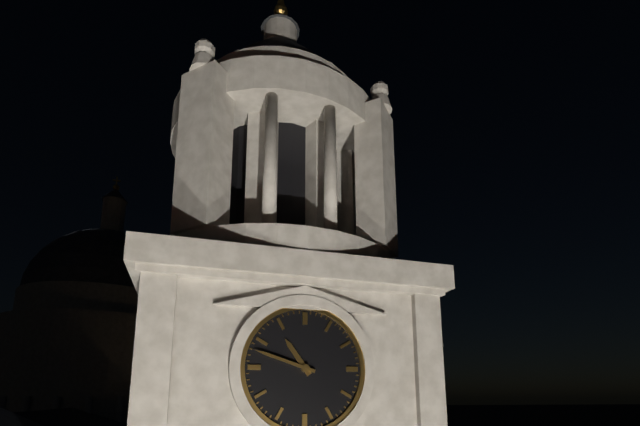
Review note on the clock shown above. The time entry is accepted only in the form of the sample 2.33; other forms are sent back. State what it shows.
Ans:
10.48
